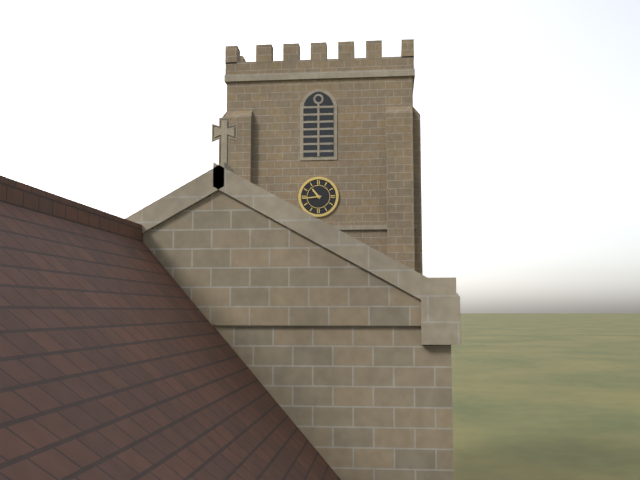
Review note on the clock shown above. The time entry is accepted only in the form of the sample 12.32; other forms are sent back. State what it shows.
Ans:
10.44
